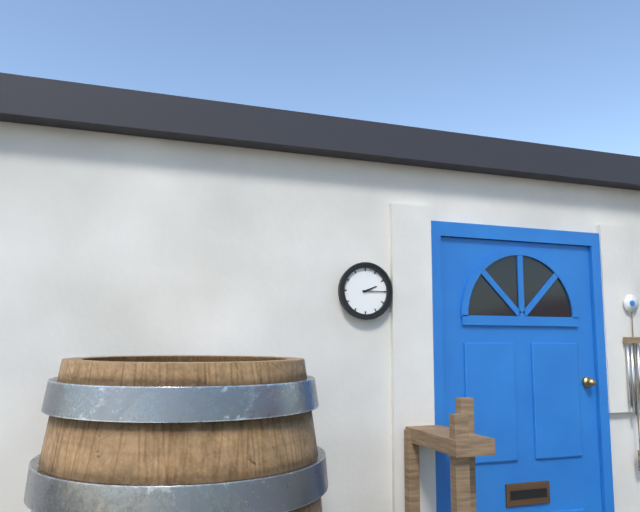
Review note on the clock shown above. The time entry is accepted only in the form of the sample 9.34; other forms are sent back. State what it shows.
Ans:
2.15
